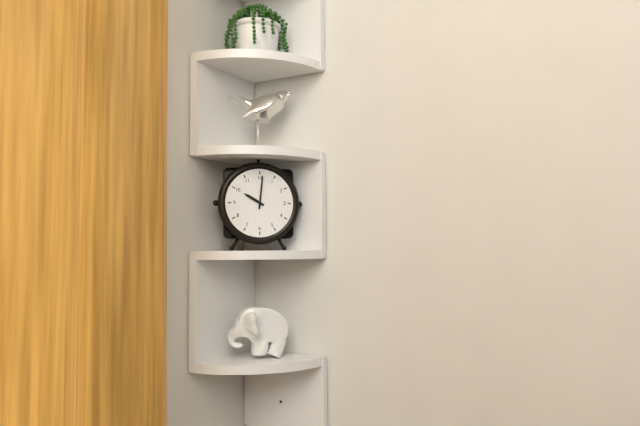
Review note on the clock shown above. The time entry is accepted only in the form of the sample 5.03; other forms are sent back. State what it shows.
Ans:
10.01
